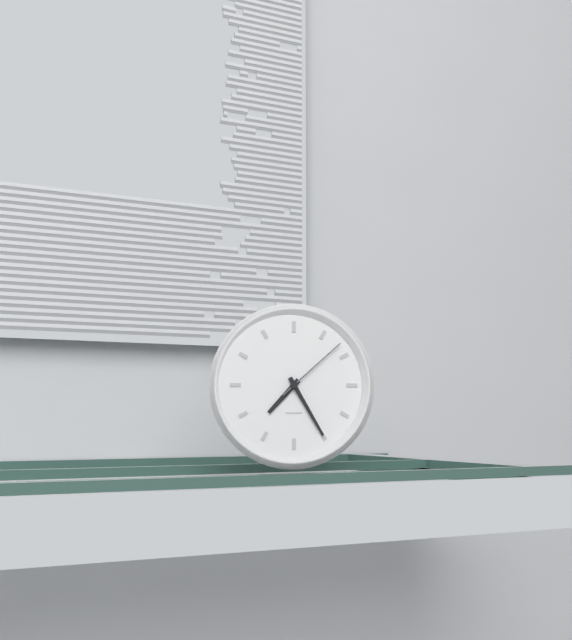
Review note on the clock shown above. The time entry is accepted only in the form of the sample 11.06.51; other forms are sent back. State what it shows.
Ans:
7.25.08
